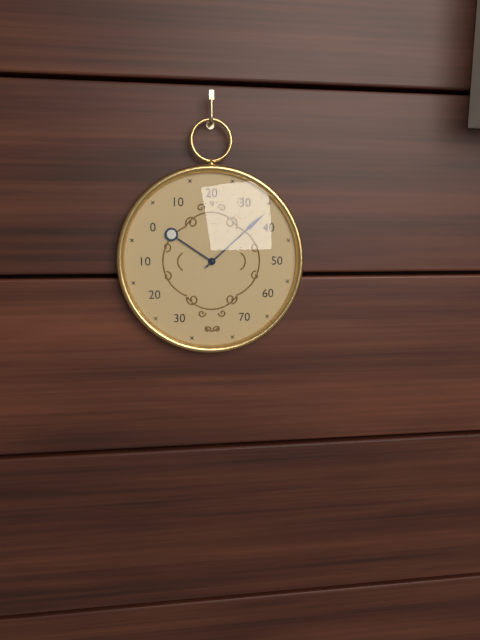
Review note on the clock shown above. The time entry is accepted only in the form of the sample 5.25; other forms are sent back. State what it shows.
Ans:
10.08
